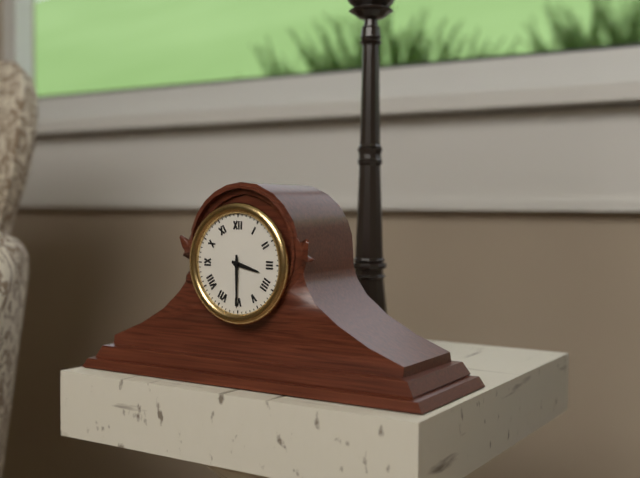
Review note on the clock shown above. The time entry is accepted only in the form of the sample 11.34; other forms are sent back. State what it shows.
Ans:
3.30
